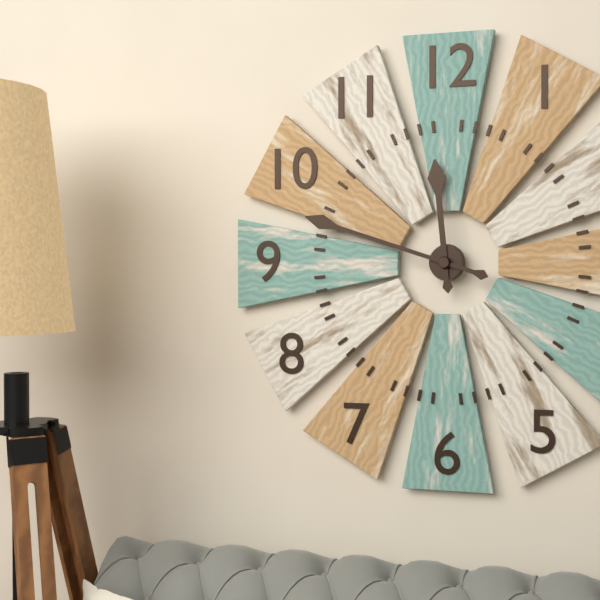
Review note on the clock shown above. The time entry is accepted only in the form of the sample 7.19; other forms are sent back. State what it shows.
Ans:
11.48
